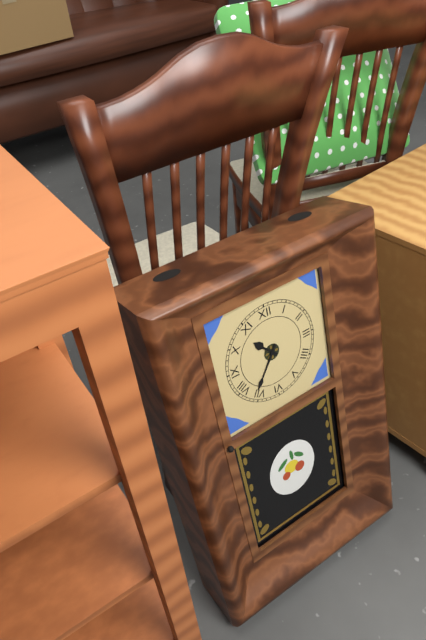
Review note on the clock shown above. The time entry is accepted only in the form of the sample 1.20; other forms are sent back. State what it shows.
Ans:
10.36
